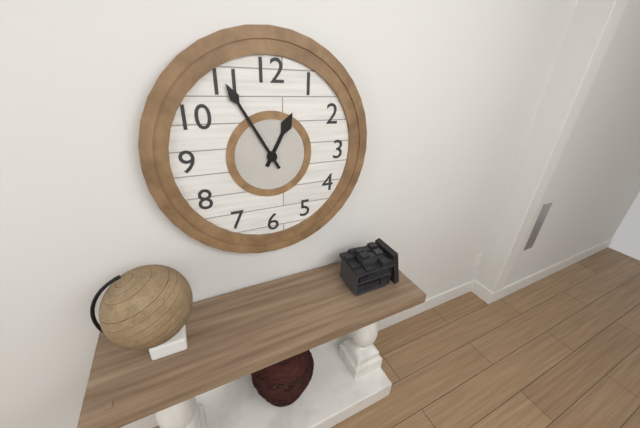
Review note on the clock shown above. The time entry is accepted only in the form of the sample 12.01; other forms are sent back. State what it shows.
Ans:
12.55
